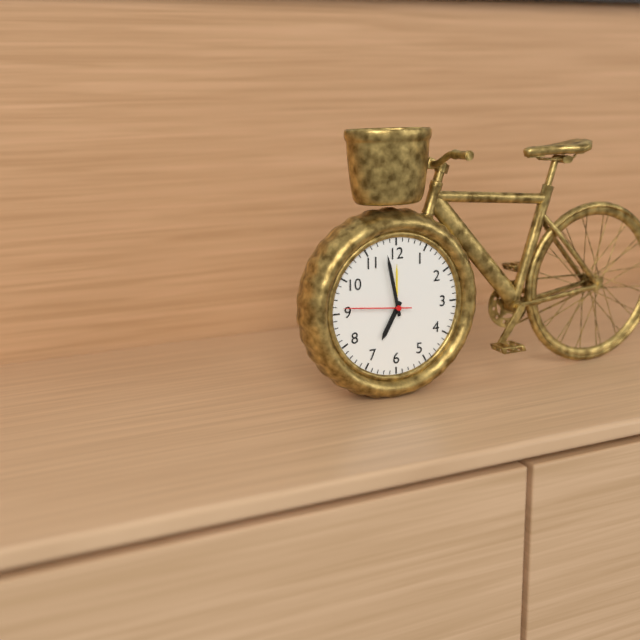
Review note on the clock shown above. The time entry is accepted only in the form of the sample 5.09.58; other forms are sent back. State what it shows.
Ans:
6.58.46
